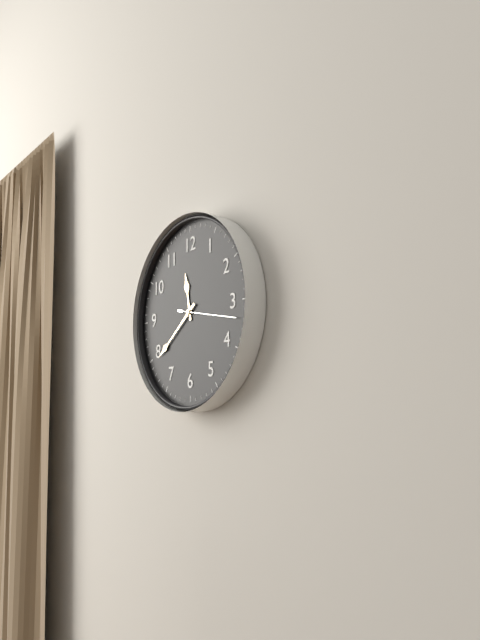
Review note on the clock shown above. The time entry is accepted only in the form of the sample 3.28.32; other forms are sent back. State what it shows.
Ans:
11.39.17
